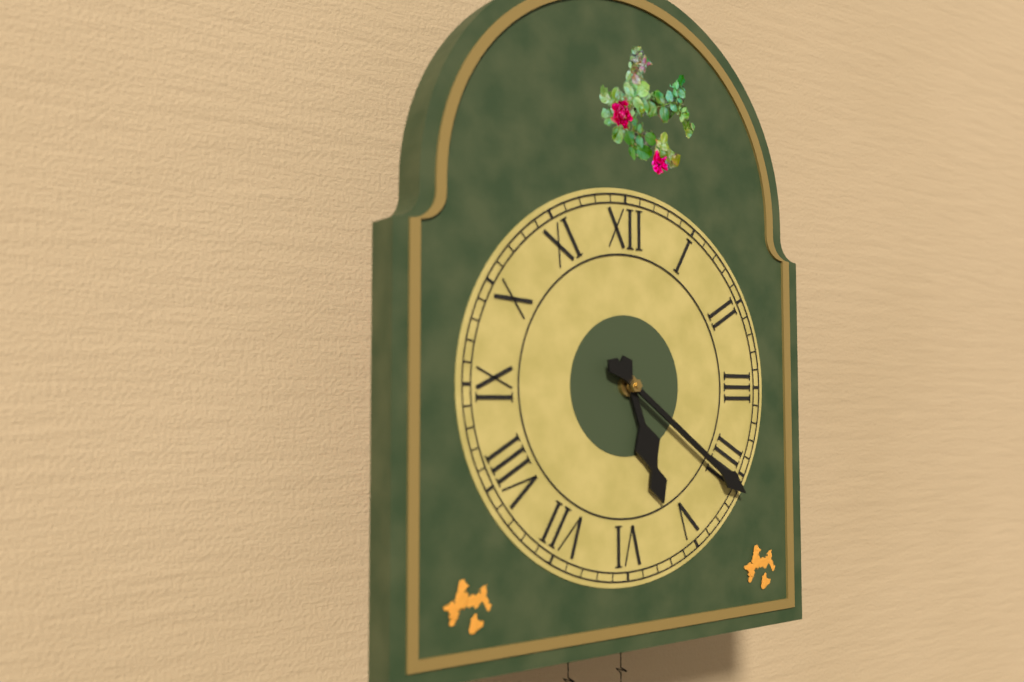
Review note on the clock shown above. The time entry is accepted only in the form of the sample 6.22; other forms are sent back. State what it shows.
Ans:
5.21
